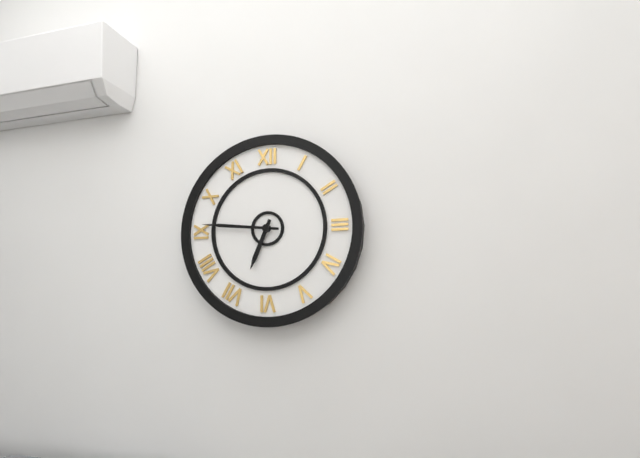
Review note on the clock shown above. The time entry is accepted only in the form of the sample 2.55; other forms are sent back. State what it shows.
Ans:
6.46
